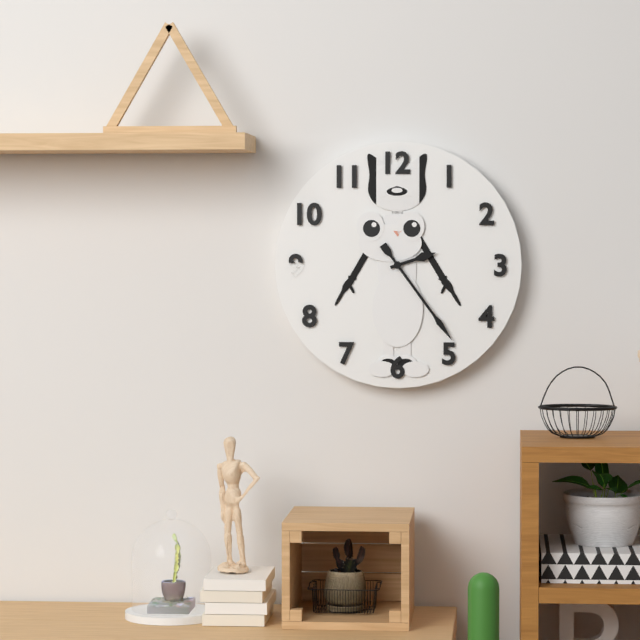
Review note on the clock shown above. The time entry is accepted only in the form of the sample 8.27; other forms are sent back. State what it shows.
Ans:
2.24
